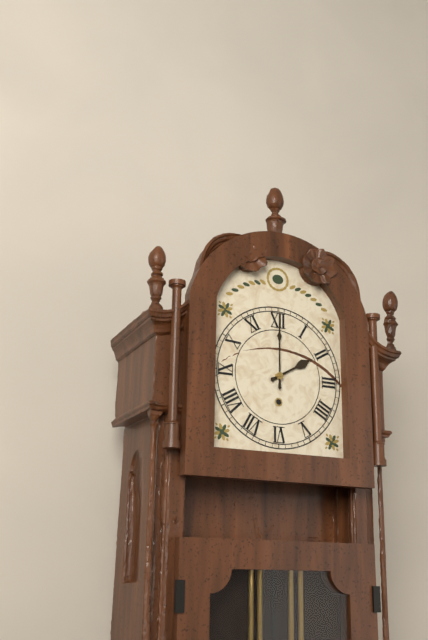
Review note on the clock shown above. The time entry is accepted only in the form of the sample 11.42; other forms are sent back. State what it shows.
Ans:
2.00
